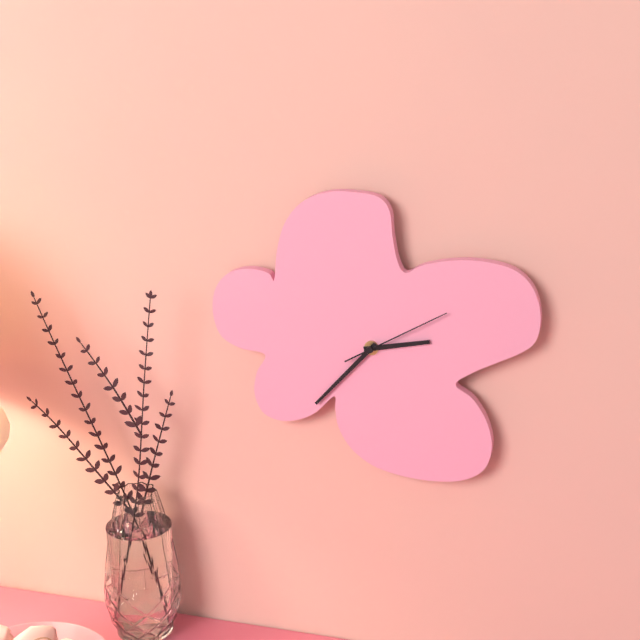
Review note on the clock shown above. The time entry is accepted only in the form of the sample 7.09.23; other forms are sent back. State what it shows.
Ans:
2.37.10
